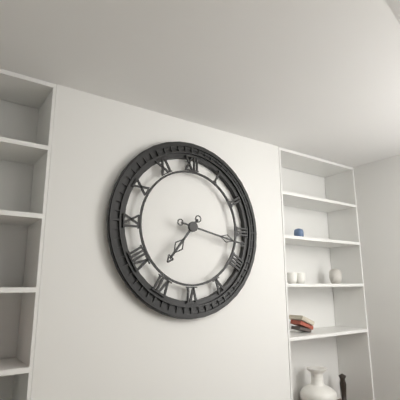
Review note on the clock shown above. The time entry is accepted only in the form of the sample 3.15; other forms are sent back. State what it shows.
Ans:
7.17
